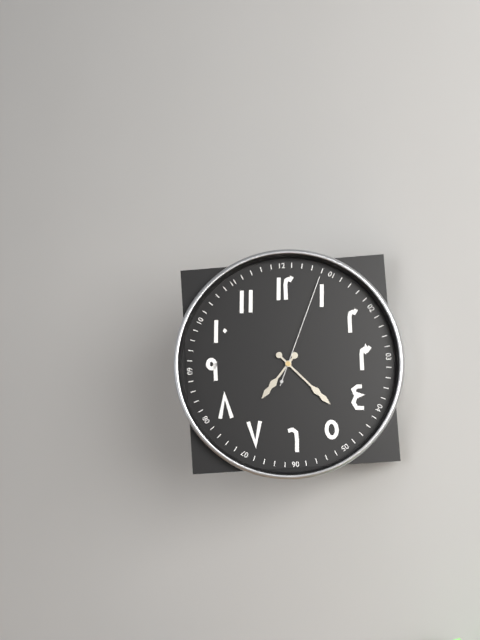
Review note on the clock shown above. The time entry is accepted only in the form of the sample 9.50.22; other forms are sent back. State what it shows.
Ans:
7.23.04
